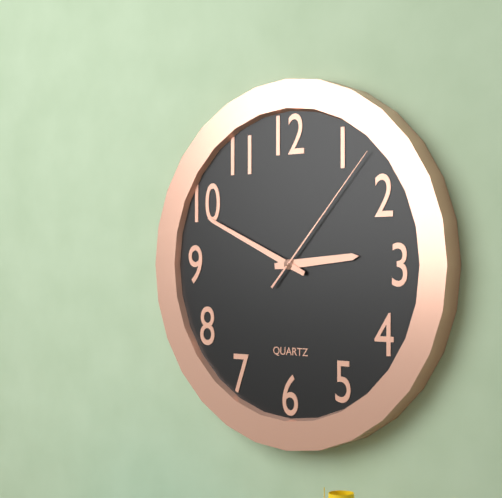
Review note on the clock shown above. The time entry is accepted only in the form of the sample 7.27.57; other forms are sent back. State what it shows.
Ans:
2.49.07
